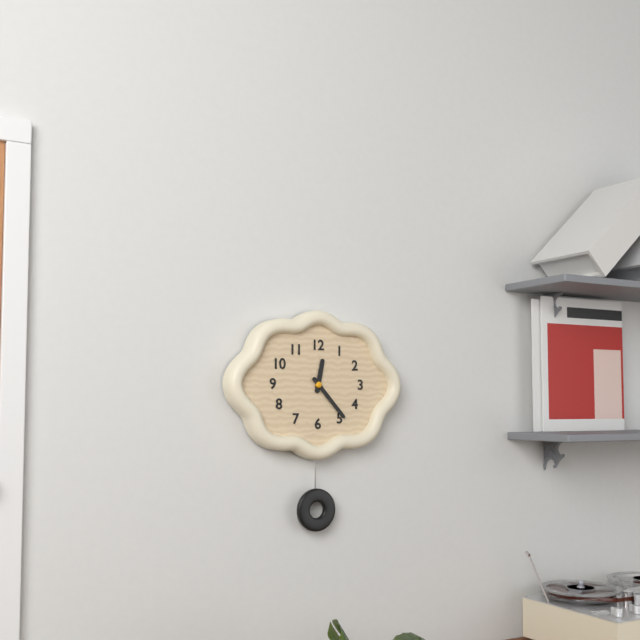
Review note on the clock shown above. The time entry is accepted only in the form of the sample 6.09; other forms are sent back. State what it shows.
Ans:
12.23
